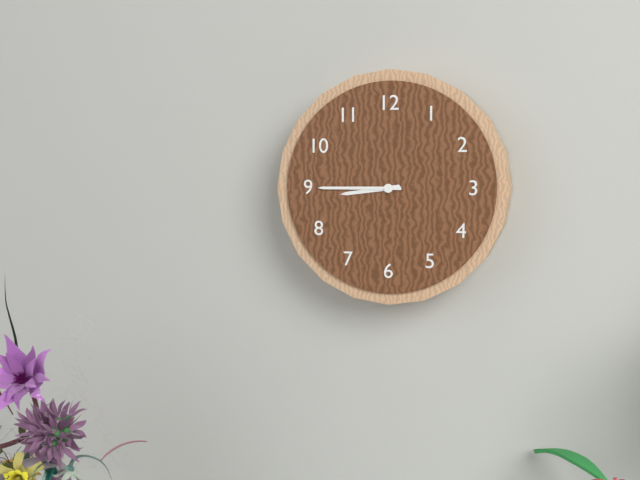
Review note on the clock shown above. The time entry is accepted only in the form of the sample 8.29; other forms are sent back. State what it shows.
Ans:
8.45
